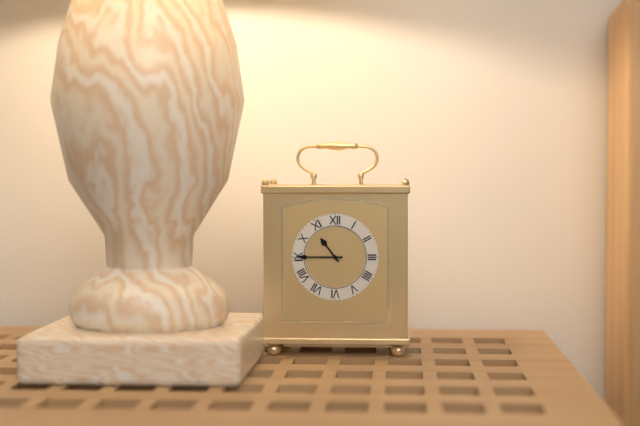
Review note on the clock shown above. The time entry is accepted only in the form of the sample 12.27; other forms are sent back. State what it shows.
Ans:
10.45
